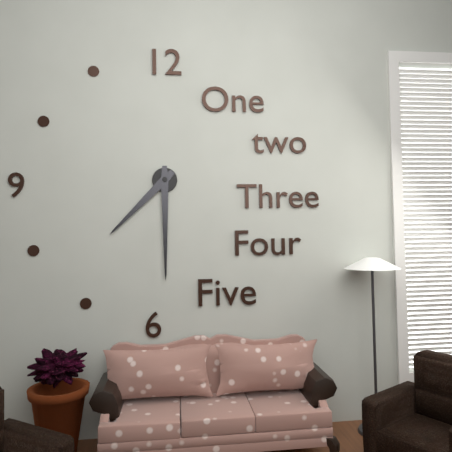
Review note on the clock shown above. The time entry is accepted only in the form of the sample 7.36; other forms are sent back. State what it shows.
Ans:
7.30
